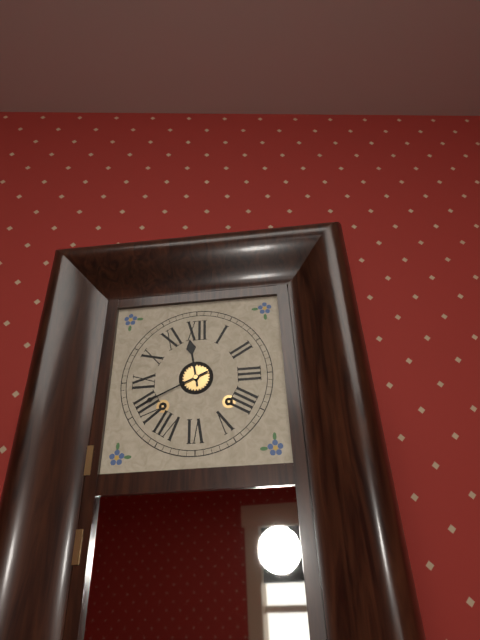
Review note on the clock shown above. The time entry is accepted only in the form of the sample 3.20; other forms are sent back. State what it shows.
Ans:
11.41
